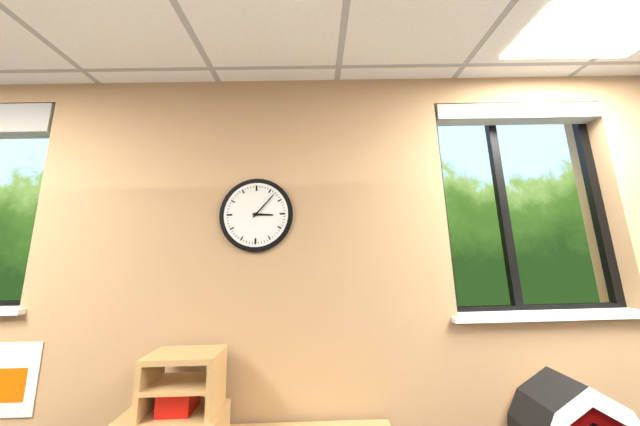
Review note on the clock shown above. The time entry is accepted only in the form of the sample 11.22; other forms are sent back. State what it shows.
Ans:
3.07
